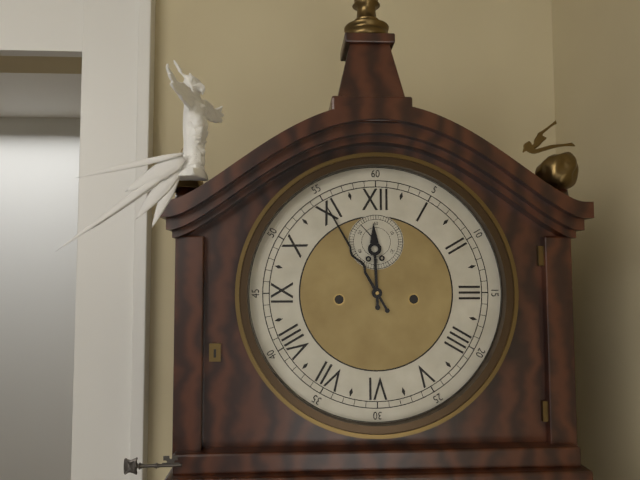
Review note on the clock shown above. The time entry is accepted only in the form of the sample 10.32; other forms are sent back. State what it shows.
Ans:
11.55
